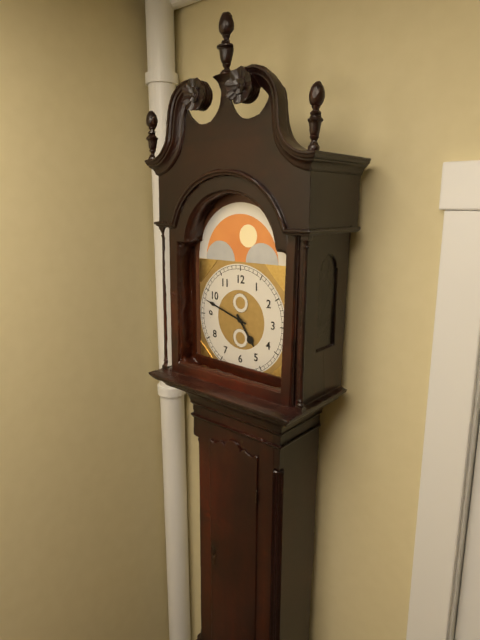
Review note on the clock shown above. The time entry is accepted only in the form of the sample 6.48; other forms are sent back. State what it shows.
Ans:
4.48
